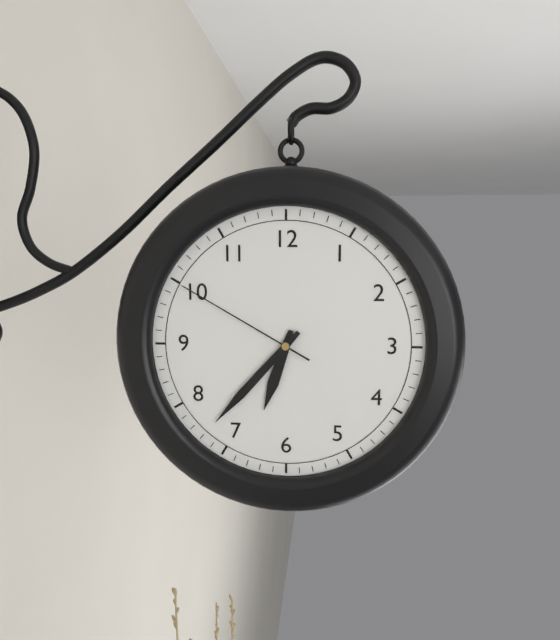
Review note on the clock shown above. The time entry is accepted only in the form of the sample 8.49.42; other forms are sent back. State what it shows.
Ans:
6.37.50
